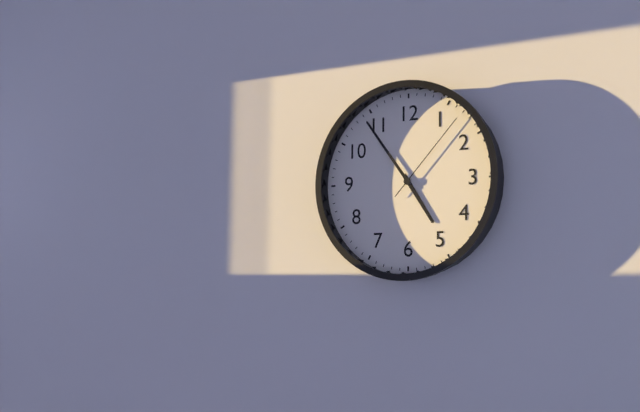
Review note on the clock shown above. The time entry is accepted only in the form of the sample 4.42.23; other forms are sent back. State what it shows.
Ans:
4.54.07
